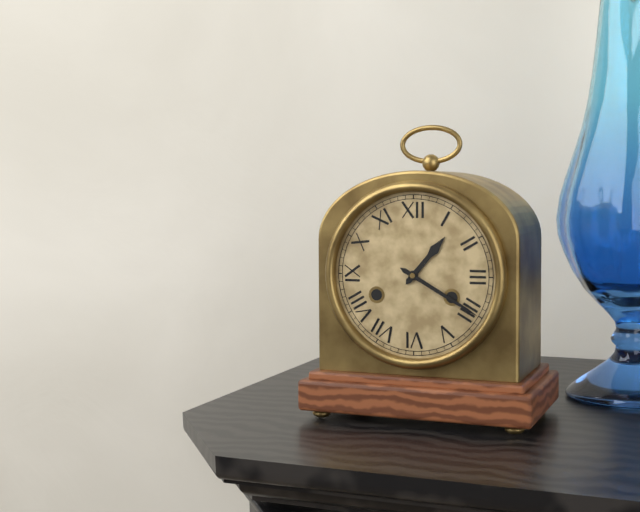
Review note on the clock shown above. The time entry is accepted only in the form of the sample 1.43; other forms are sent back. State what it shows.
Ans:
1.20
